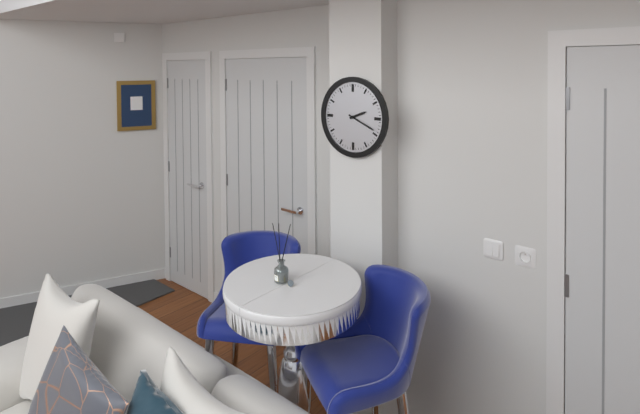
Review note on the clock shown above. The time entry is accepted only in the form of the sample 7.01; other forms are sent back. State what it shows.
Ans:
2.19
